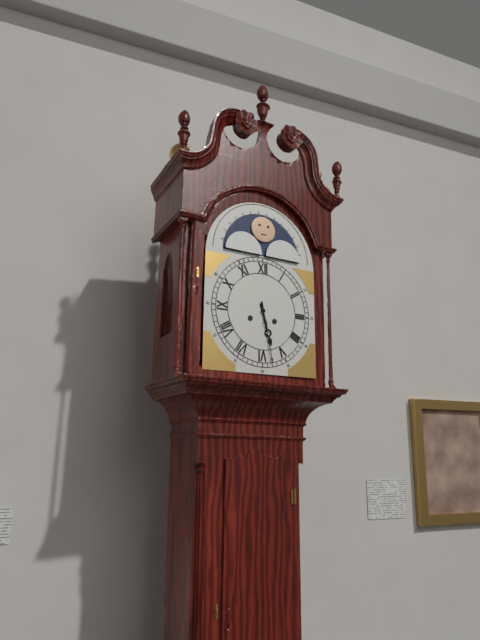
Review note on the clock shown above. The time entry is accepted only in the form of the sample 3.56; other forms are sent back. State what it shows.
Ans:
5.28
